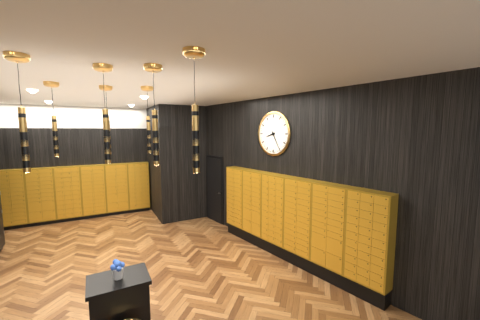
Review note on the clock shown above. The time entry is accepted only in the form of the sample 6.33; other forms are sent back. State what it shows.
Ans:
8.25
